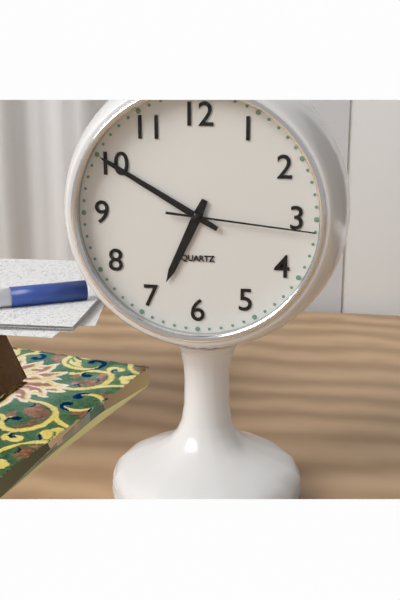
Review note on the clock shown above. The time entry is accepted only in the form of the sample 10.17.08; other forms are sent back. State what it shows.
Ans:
6.50.16
